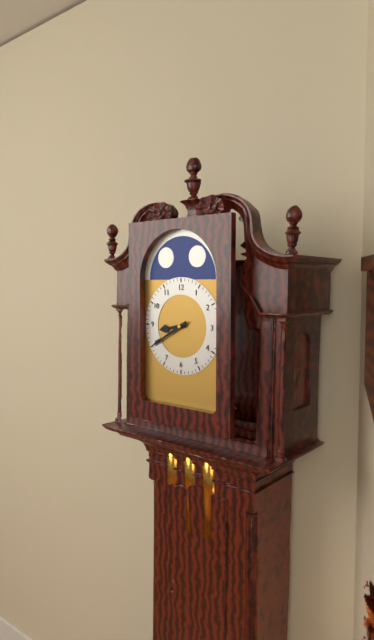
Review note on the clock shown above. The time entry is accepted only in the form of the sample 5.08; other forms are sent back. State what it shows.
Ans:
8.40
